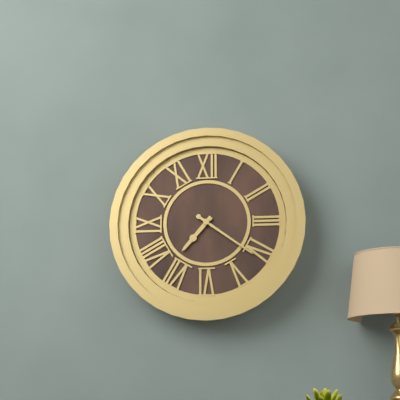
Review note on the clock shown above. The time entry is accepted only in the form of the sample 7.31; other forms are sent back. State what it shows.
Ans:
7.21
